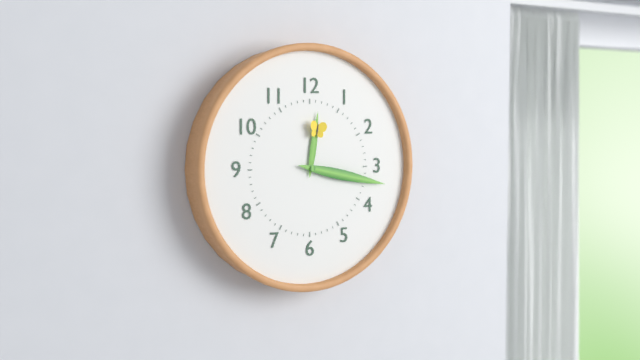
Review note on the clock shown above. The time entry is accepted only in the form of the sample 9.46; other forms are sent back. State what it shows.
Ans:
12.17
